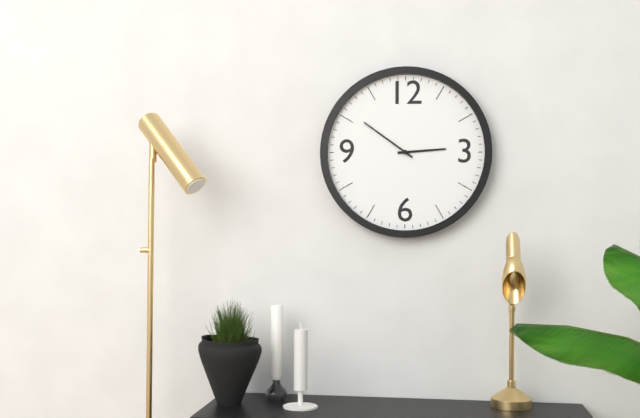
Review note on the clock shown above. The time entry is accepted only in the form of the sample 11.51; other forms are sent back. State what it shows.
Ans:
2.51
